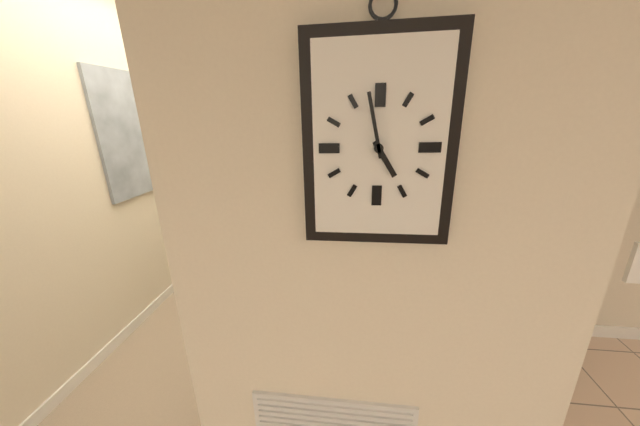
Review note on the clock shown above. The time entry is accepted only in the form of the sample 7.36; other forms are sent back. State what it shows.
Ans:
4.58
